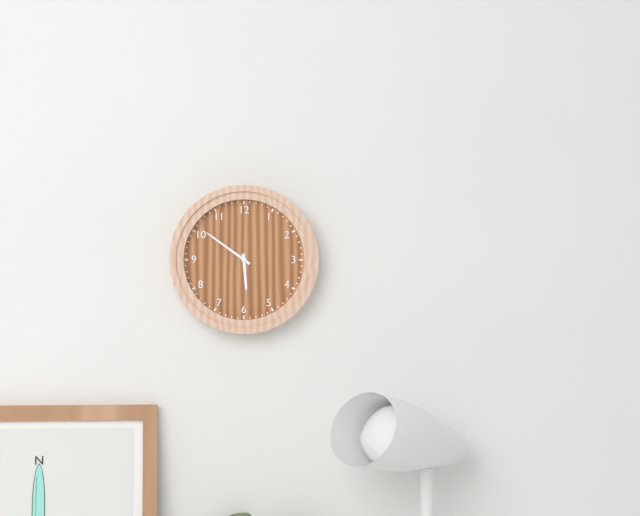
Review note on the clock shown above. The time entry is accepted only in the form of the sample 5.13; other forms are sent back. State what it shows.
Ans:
5.51
